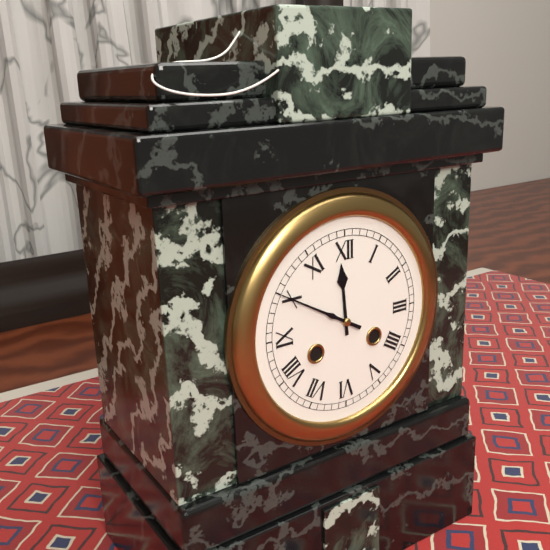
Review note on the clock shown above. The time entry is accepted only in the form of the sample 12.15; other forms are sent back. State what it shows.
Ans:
11.50
